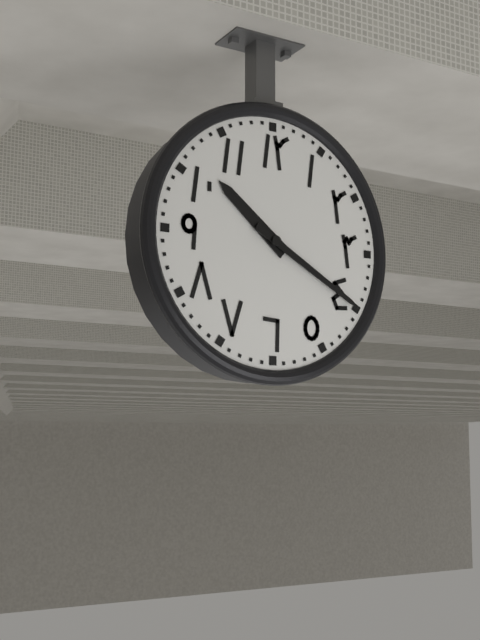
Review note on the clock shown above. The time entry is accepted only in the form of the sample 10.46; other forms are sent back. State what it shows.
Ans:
10.20
